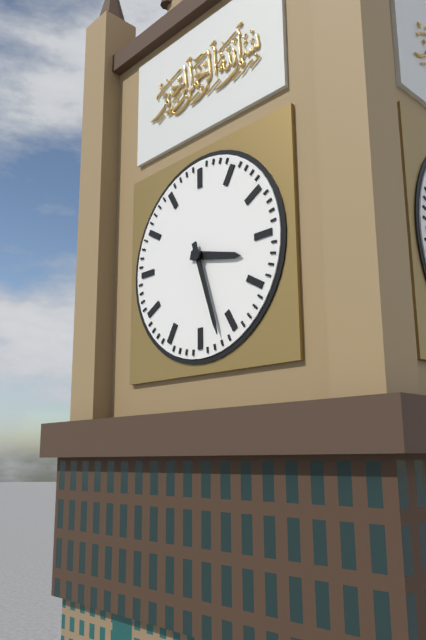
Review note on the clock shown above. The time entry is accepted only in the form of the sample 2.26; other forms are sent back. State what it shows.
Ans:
3.27
